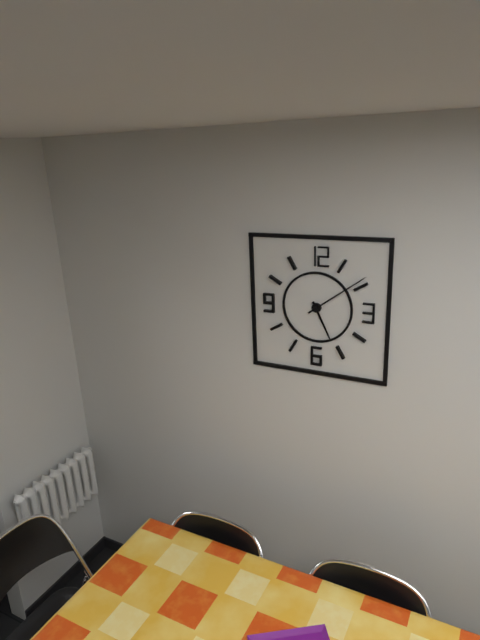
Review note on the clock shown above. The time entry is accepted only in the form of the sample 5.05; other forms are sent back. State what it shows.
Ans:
5.09
